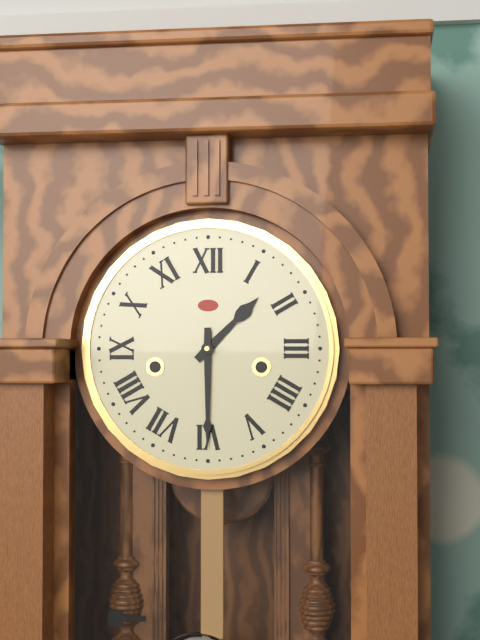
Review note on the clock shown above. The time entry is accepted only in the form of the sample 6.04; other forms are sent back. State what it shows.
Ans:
1.30
